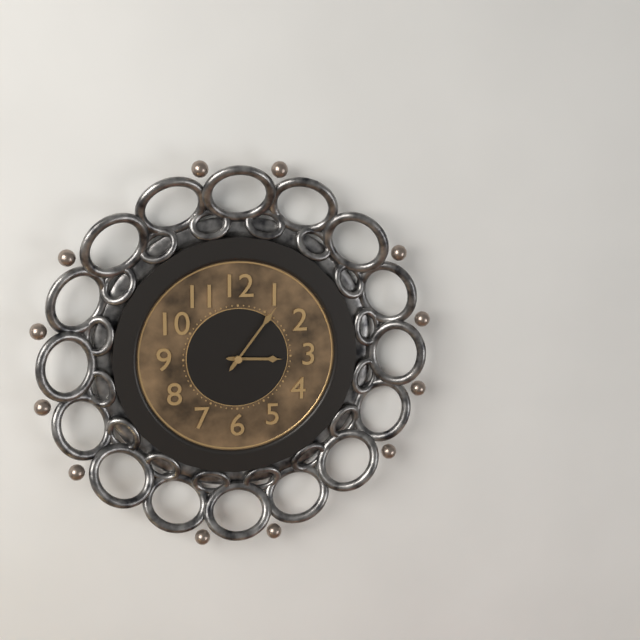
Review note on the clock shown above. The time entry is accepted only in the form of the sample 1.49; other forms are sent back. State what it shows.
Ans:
3.06
